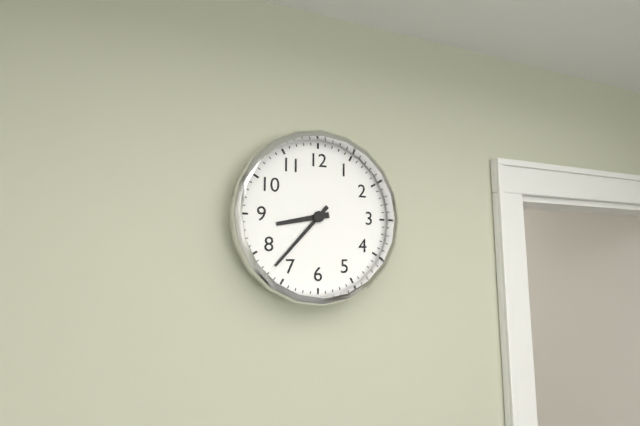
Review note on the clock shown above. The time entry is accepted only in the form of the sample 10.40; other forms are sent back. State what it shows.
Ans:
8.37
